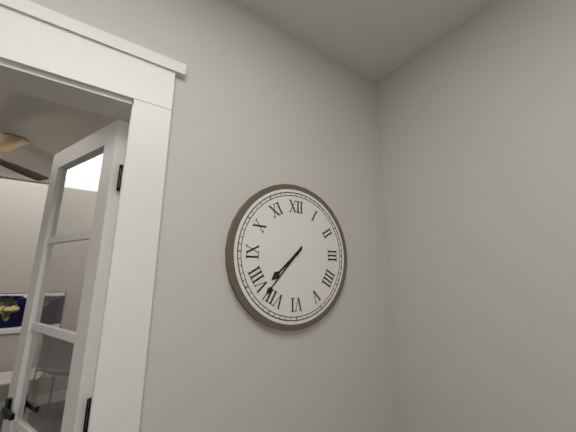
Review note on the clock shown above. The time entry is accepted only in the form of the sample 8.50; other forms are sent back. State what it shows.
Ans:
7.37
